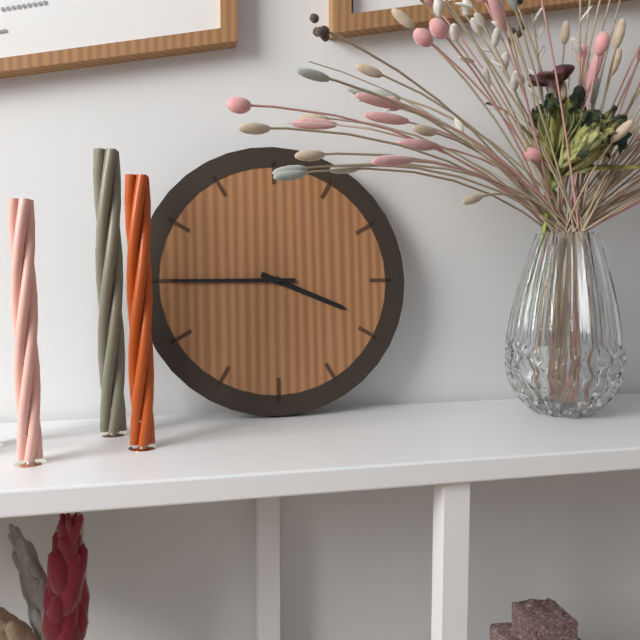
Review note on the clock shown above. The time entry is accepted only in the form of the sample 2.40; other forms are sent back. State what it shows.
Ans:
3.45
